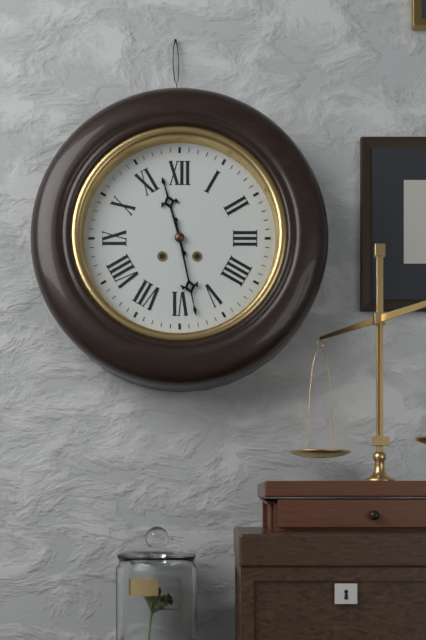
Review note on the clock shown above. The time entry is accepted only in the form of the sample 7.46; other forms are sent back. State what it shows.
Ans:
11.28
